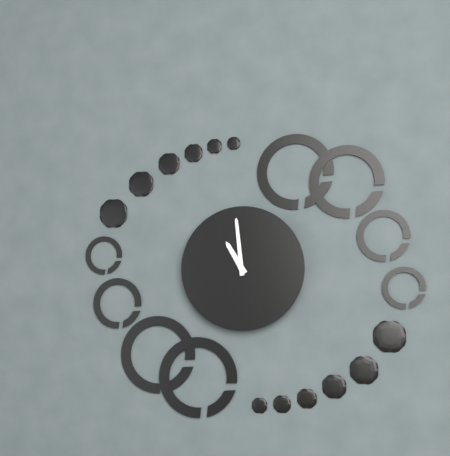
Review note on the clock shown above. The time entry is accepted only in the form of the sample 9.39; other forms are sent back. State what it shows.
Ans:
10.59
